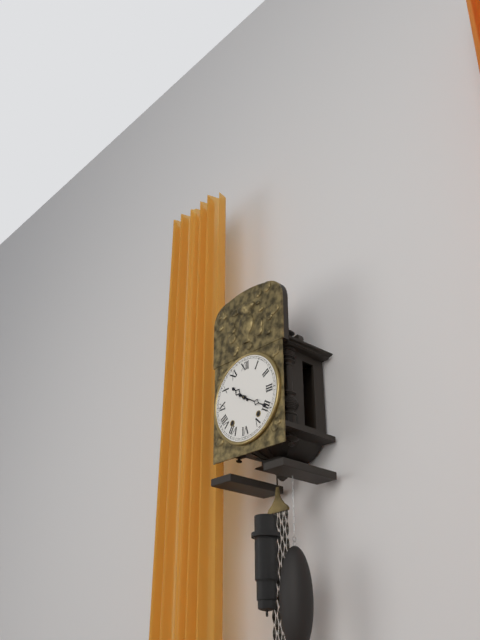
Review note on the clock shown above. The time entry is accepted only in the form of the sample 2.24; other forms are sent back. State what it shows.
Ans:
10.20
